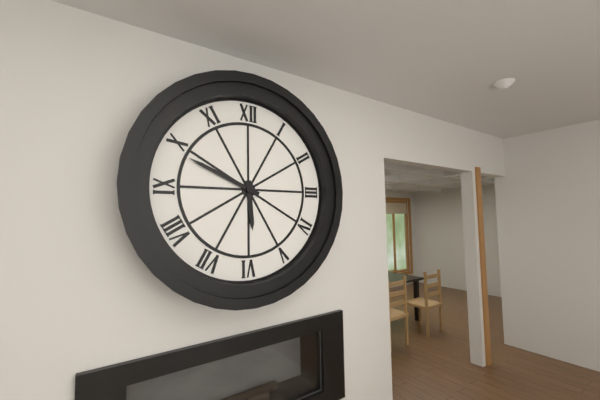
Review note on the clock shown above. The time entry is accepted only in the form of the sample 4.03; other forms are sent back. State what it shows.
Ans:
5.49
